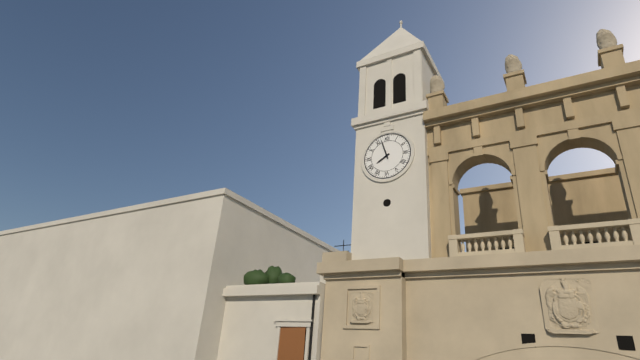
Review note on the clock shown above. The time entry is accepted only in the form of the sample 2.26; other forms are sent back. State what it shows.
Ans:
7.57
